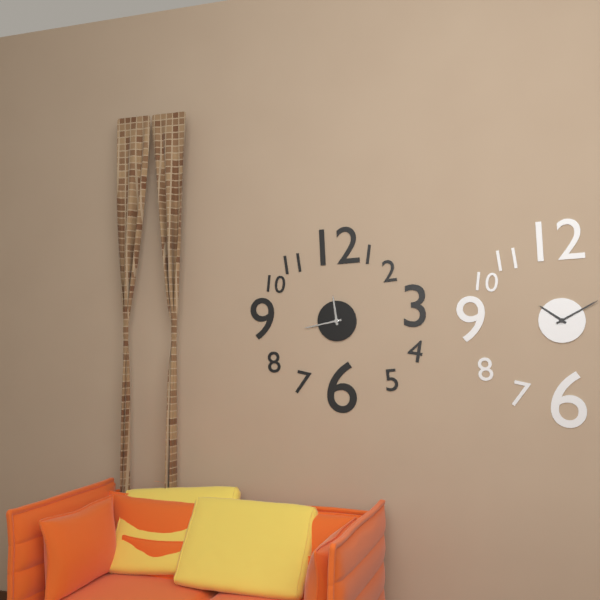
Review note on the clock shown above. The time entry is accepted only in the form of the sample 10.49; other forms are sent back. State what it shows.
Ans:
11.43
